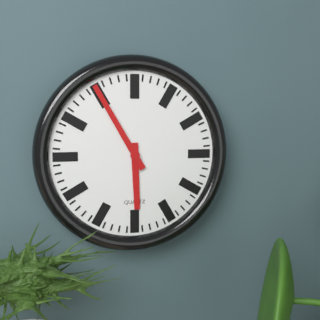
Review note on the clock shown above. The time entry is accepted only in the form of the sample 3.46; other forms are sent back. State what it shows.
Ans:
5.55
